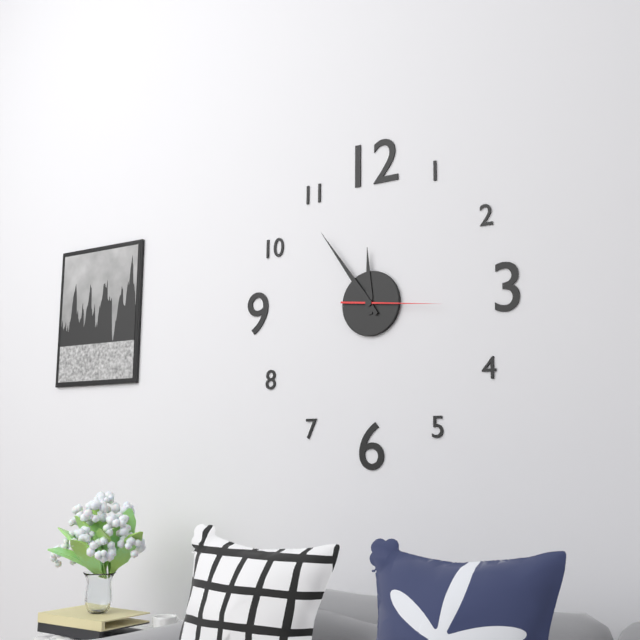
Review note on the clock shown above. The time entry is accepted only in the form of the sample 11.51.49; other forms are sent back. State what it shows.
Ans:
11.54.16
